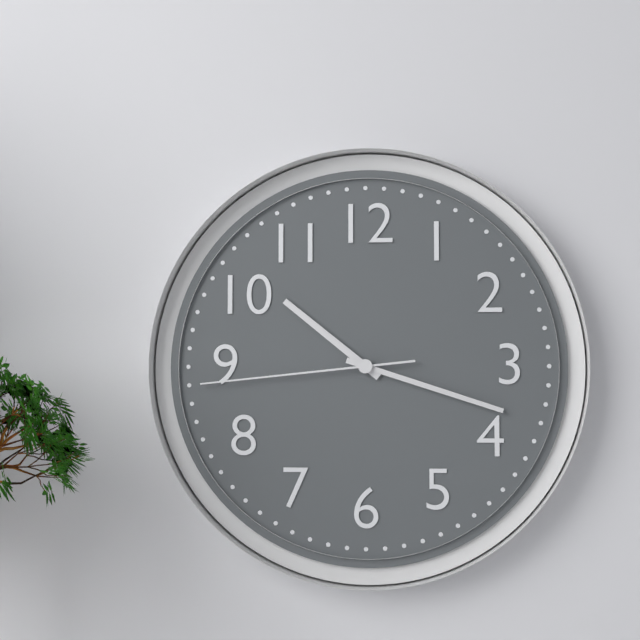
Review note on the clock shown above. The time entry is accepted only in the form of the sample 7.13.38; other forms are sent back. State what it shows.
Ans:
10.18.44
